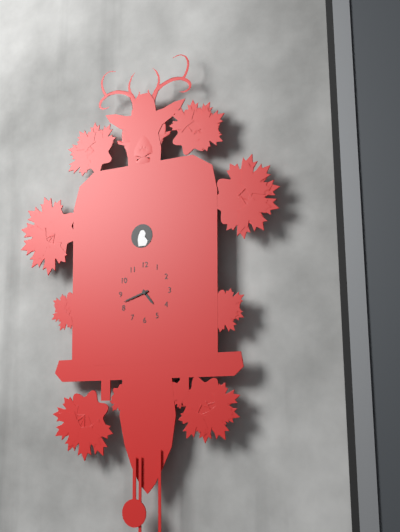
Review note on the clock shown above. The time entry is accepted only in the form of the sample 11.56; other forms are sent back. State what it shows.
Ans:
4.42
